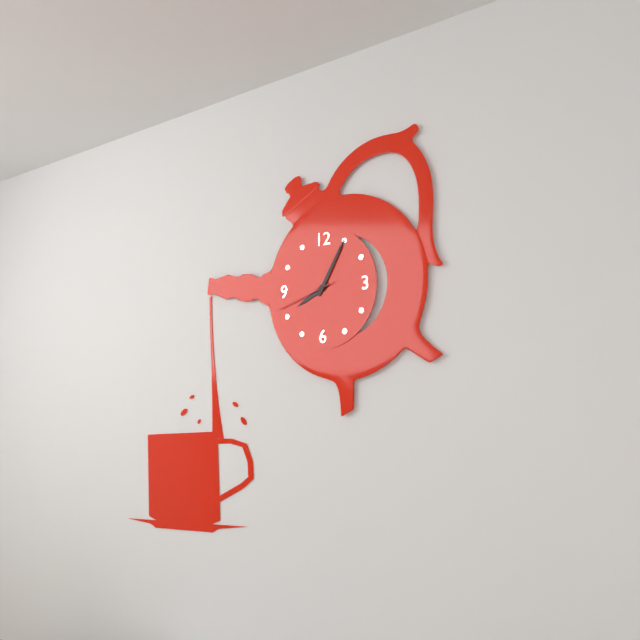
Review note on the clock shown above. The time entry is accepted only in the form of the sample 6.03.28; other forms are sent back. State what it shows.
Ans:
8.05.42
